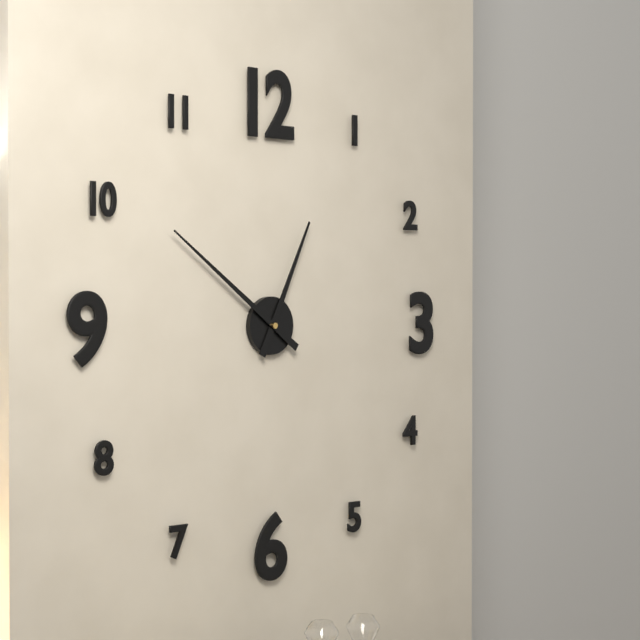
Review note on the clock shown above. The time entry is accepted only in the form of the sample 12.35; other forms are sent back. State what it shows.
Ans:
12.51
